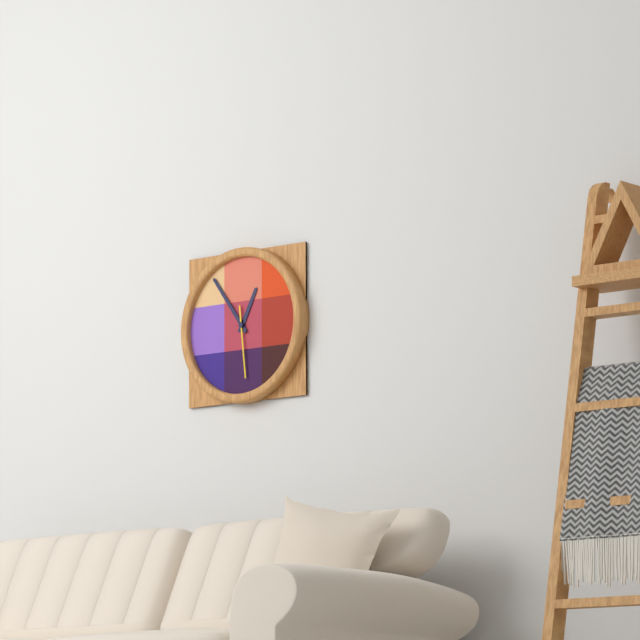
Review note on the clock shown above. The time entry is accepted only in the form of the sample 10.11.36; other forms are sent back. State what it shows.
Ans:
12.54.29
